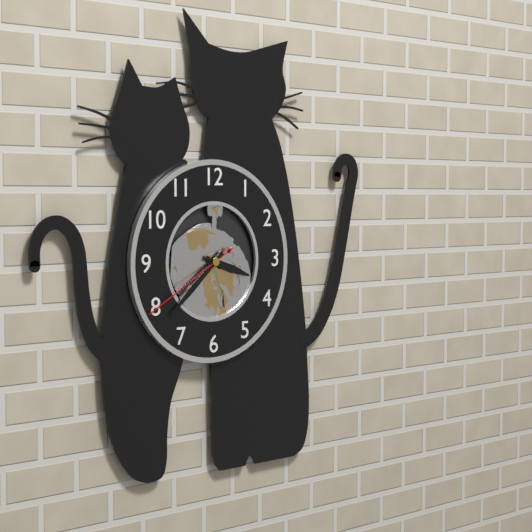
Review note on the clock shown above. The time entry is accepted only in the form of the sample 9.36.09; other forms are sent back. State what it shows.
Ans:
3.38.40
